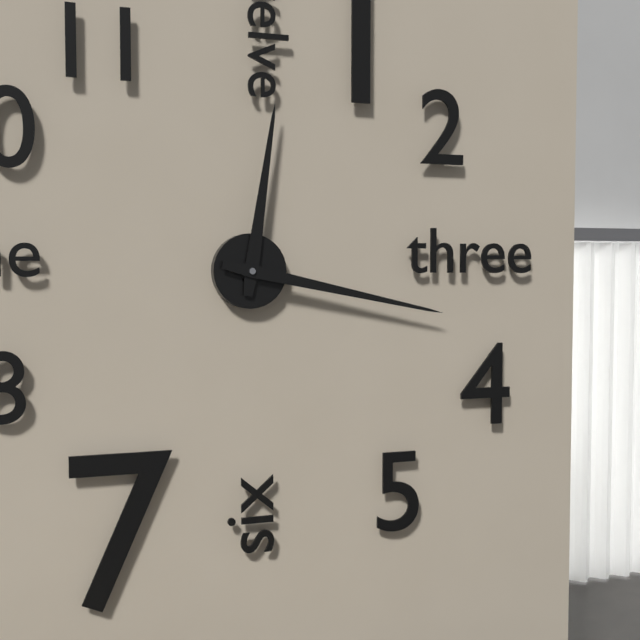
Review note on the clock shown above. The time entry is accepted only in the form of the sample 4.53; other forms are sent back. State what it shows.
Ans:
12.17
